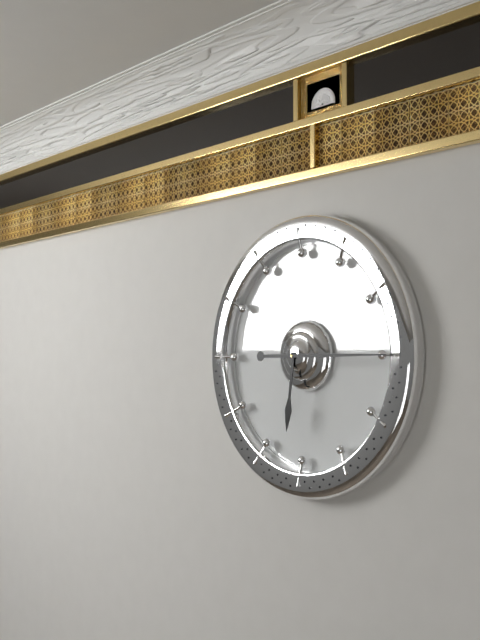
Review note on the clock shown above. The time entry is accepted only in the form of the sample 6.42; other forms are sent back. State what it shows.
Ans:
6.15
